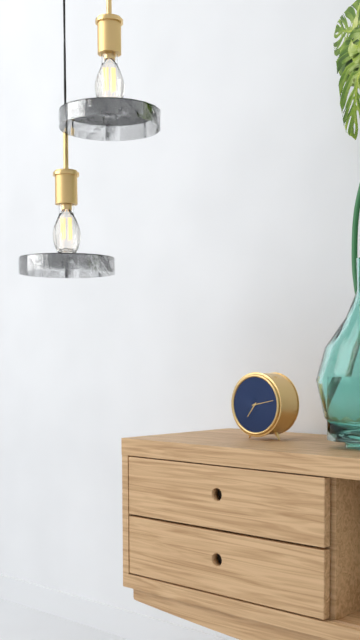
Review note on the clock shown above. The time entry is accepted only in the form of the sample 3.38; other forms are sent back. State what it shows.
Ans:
7.13
